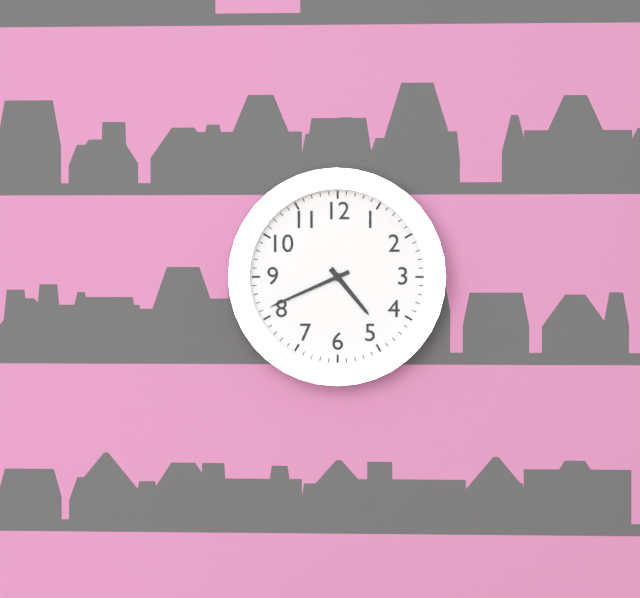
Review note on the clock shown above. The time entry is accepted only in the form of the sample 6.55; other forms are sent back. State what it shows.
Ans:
4.41
